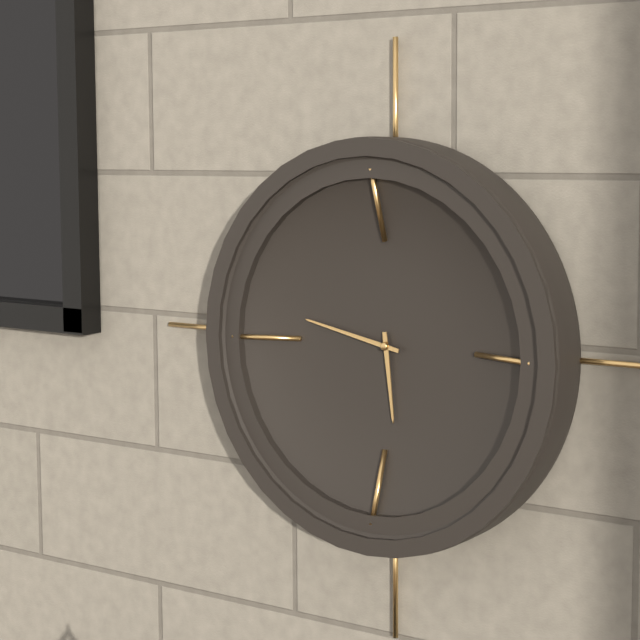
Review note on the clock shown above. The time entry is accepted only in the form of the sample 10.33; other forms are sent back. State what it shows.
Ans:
5.47
